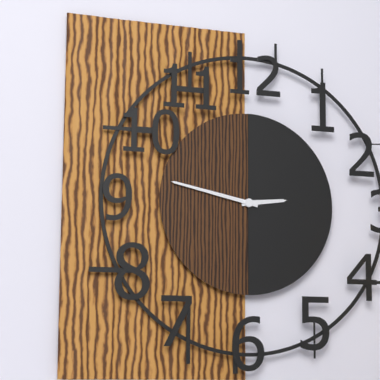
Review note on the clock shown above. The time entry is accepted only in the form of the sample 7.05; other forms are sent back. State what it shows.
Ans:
2.47
